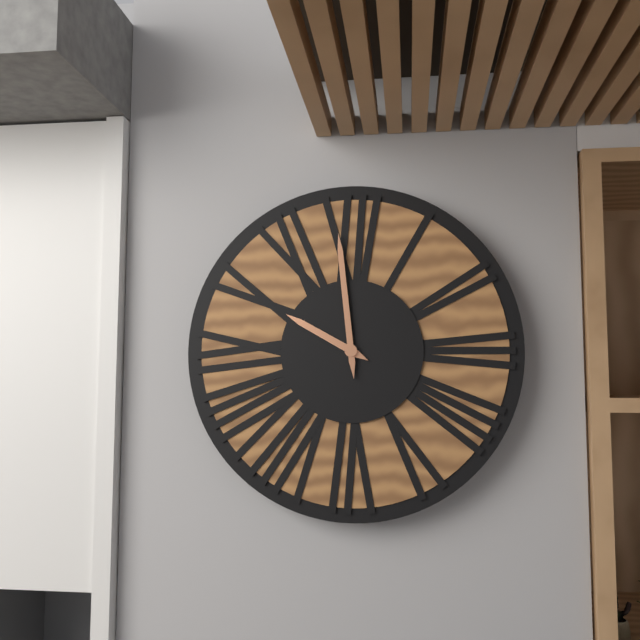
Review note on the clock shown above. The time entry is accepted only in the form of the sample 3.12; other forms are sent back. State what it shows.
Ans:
9.59
